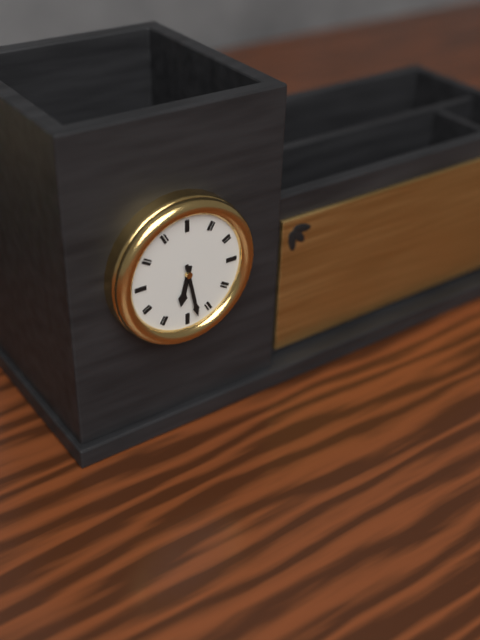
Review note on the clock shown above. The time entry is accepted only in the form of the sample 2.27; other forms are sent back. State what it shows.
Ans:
6.28
